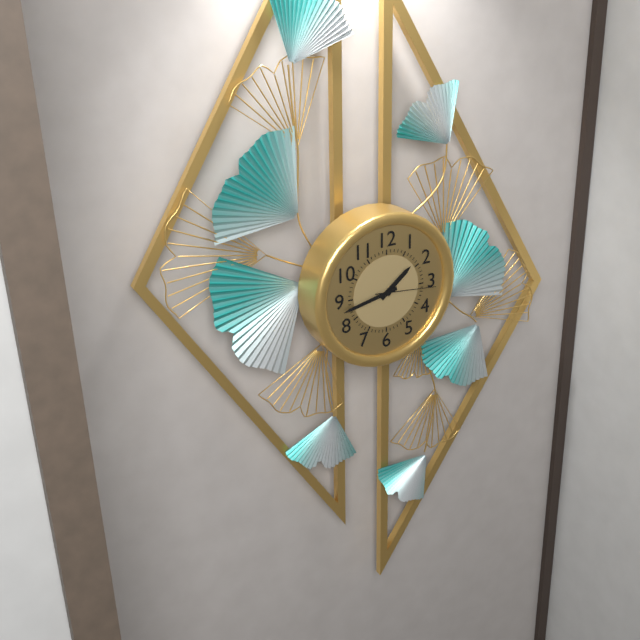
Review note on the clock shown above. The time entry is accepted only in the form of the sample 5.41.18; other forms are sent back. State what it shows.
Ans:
1.43.16
